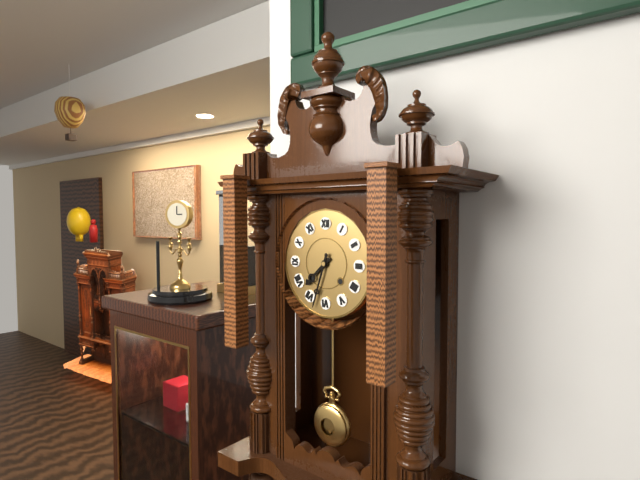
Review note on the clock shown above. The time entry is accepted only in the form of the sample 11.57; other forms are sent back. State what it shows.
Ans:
7.33
